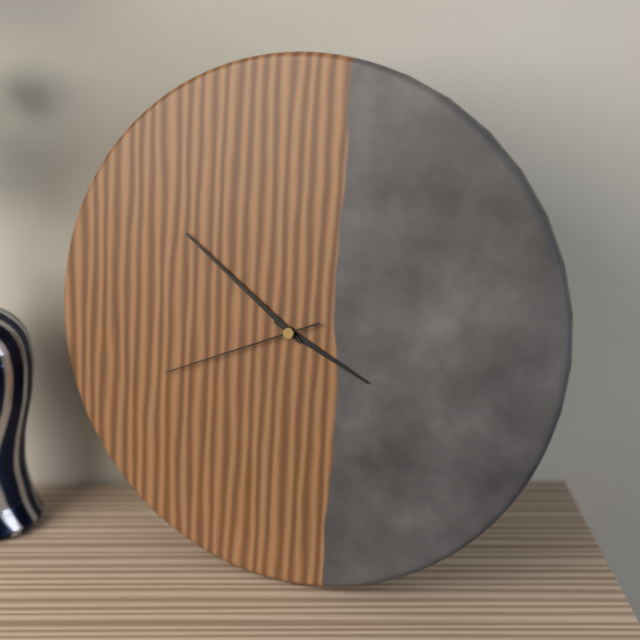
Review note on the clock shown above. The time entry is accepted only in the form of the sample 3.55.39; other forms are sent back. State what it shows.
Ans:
3.51.41
